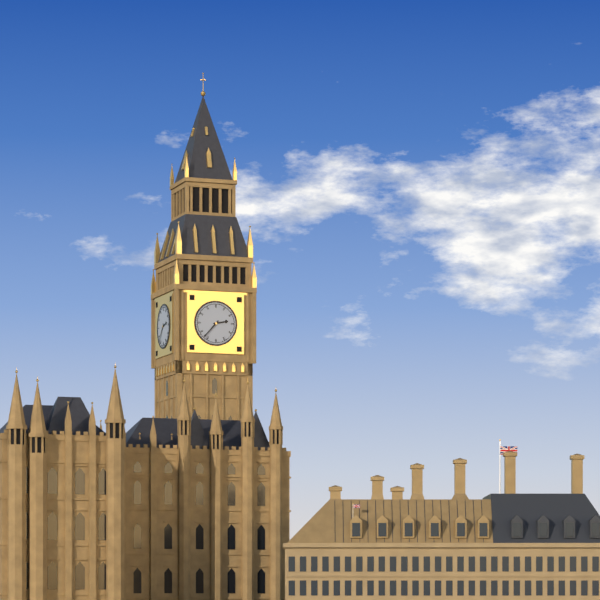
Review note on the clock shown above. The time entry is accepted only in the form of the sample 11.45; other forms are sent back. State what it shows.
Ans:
2.37
